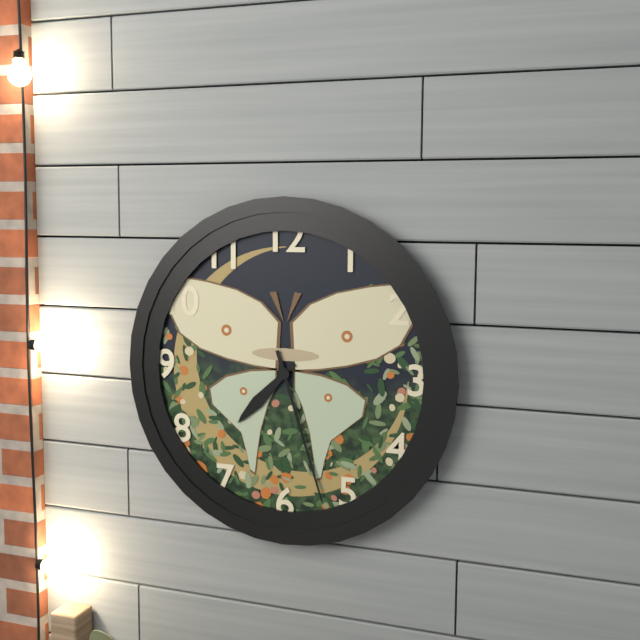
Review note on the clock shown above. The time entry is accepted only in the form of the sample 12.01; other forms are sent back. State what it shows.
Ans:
7.27
